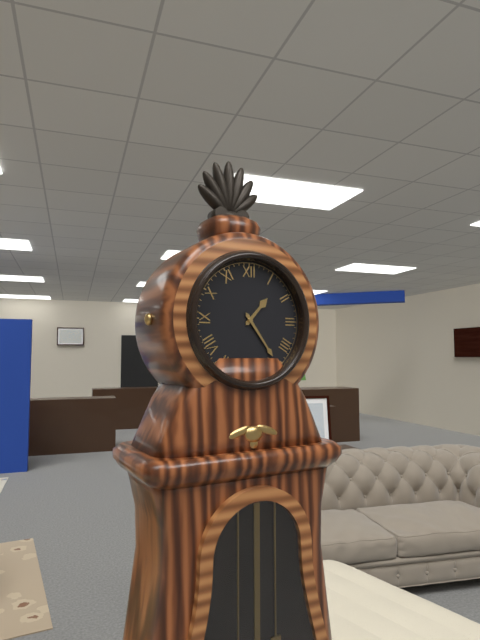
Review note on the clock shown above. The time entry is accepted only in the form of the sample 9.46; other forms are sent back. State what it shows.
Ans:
1.24
